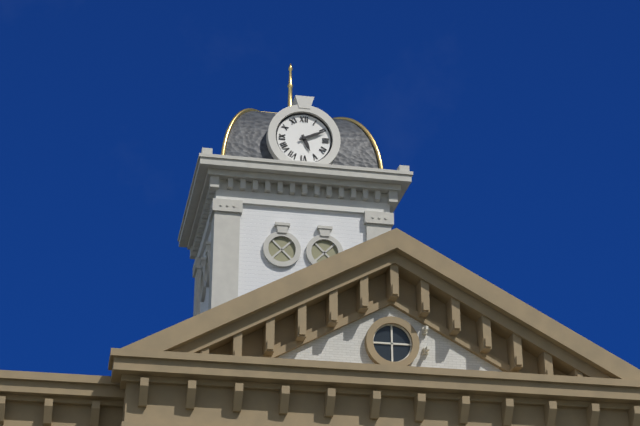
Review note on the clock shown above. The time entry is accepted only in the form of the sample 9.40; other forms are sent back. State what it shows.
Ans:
5.11
